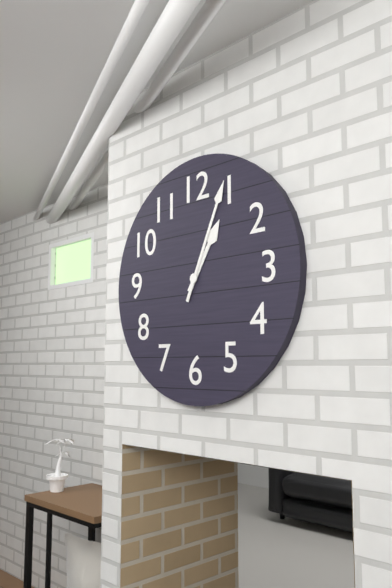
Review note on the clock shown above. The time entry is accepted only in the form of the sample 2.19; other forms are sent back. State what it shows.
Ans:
1.04
